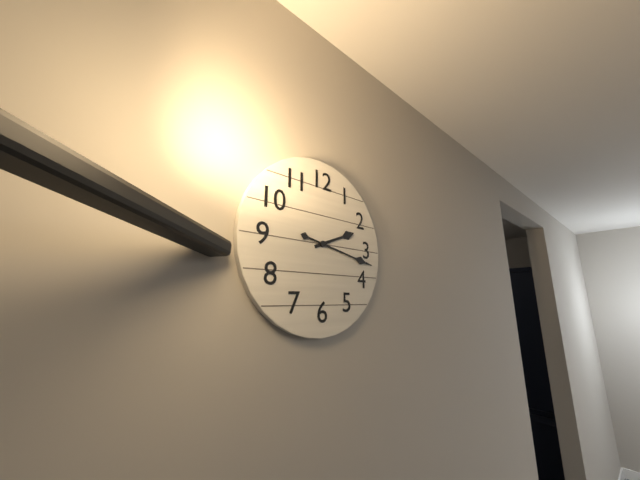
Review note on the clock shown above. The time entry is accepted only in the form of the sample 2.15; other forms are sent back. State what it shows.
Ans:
2.17
